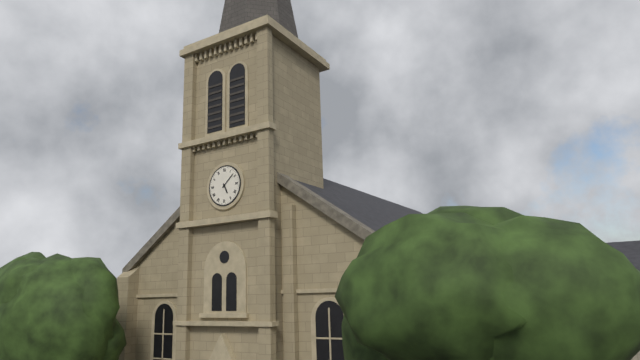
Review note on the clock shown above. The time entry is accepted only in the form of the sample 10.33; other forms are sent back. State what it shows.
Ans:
5.08
